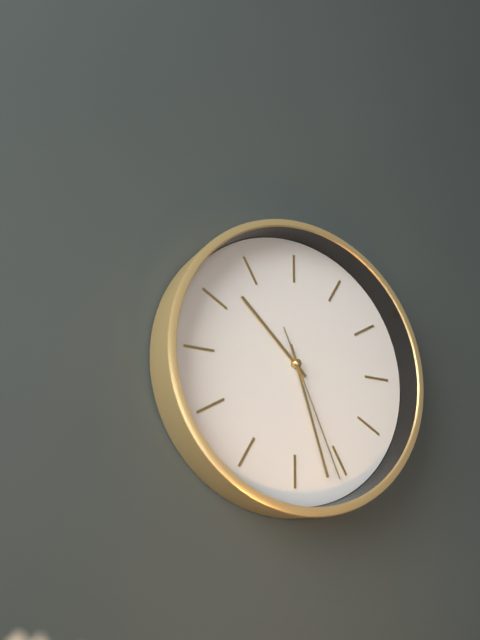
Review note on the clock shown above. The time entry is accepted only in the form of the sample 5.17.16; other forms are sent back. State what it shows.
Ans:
10.27.26
